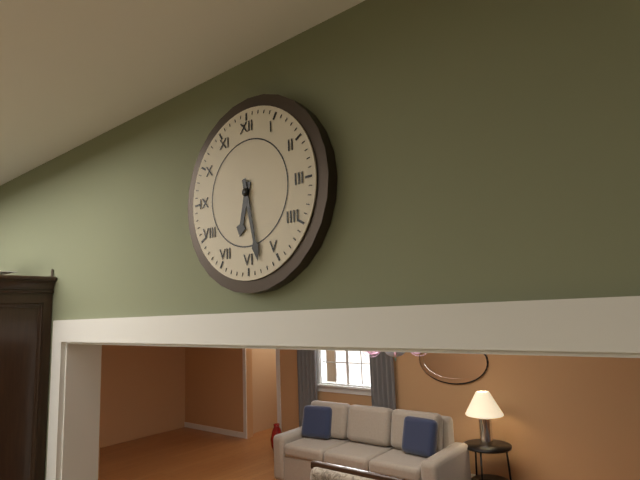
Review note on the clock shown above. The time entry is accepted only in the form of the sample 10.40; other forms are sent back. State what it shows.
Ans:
6.28
